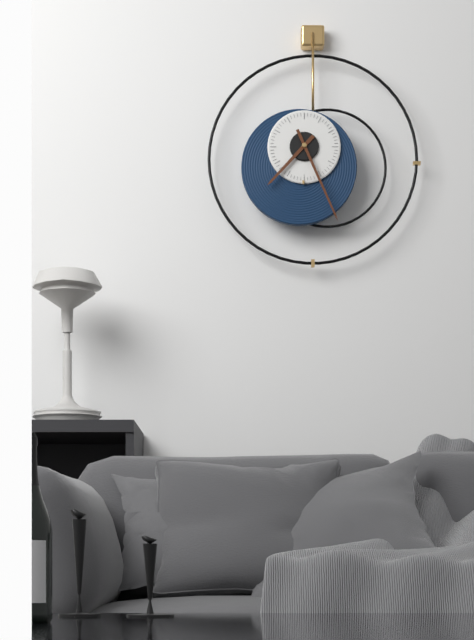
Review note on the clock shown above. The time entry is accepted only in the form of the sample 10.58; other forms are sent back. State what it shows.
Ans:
7.26
